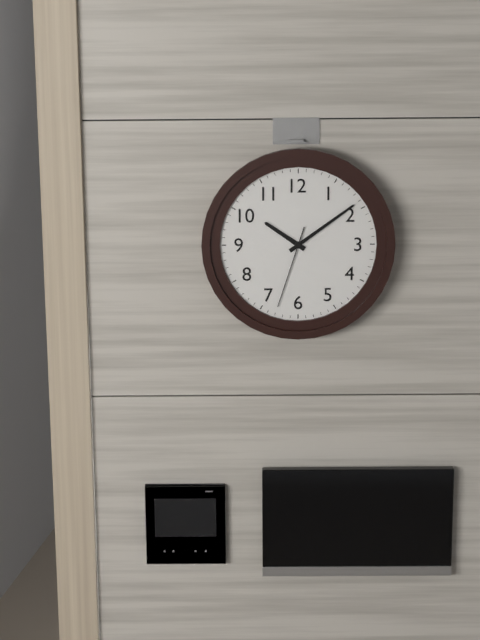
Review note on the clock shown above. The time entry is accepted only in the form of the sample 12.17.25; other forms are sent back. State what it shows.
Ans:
10.09.33
